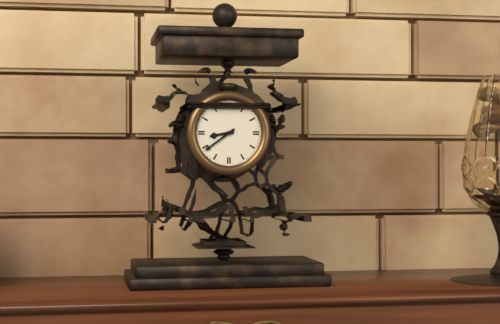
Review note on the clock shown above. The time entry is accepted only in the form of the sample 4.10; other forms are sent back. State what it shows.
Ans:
8.39
